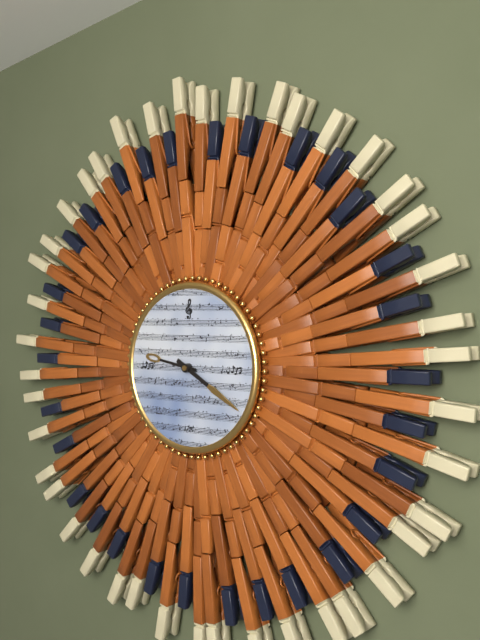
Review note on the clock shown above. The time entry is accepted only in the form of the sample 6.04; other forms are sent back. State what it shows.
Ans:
9.20
